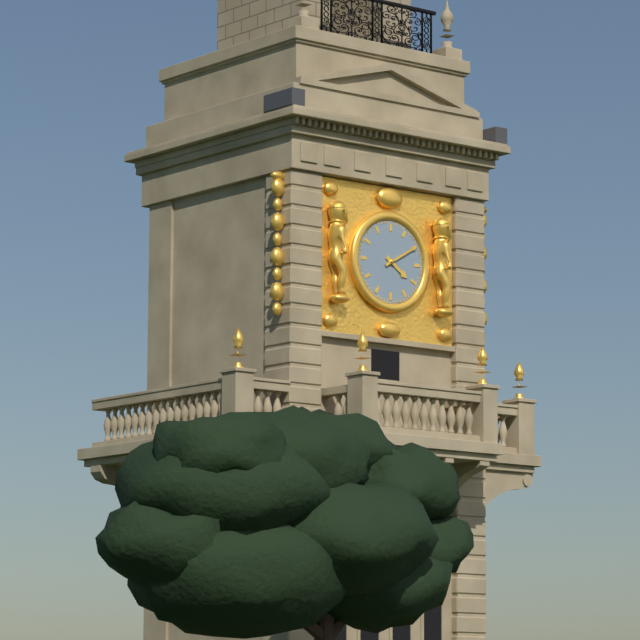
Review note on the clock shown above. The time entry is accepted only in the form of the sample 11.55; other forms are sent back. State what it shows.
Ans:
4.10
